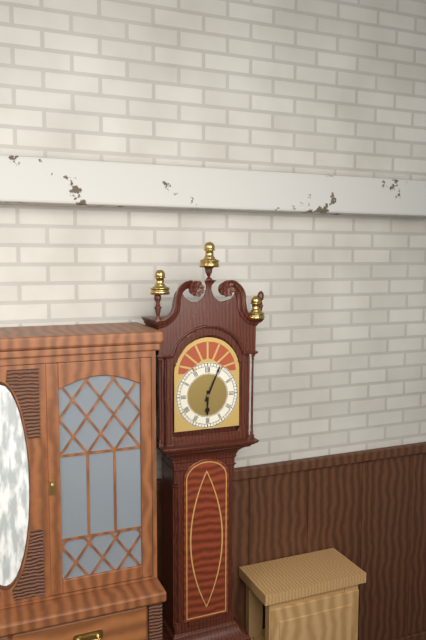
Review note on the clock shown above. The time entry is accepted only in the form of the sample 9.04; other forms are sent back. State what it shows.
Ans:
6.04
